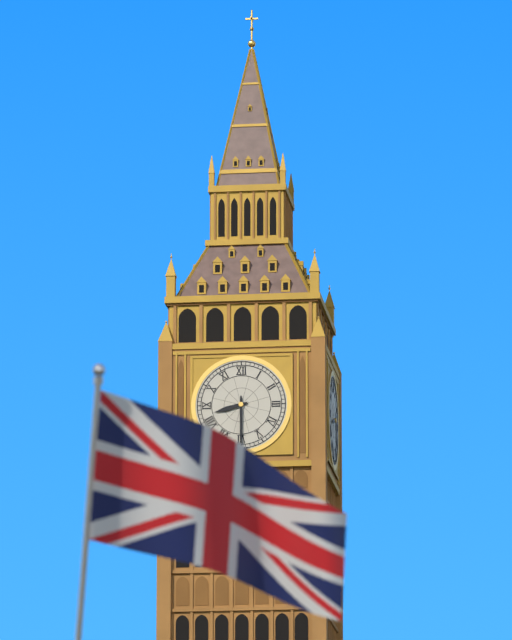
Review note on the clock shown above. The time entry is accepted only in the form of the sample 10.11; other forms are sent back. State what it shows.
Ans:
8.30
